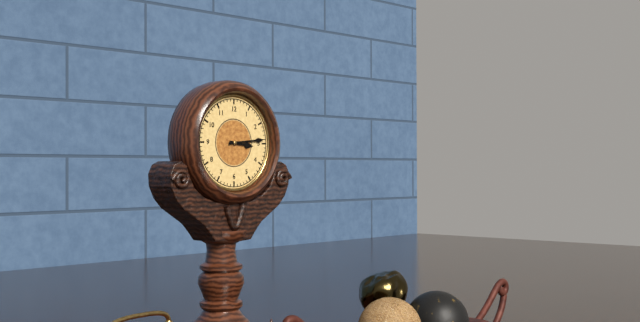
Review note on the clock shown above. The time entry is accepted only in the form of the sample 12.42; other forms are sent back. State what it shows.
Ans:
3.14
